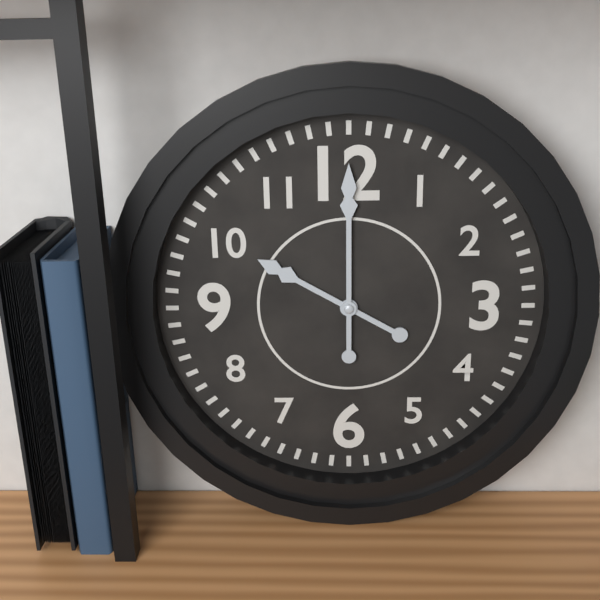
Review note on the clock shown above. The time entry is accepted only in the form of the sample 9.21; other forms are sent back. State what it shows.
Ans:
10.00
